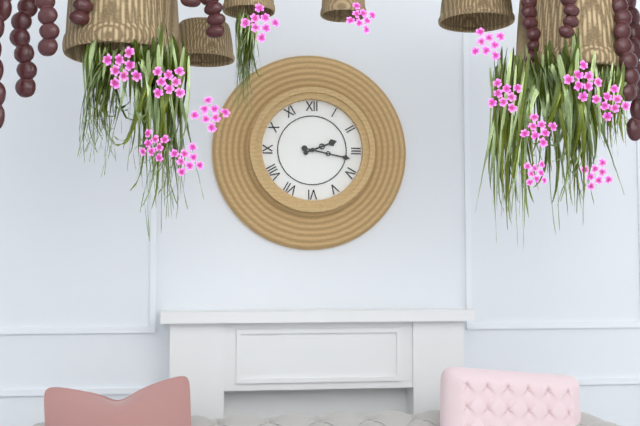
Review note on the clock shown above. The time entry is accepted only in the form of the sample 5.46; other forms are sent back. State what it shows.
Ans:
2.17
